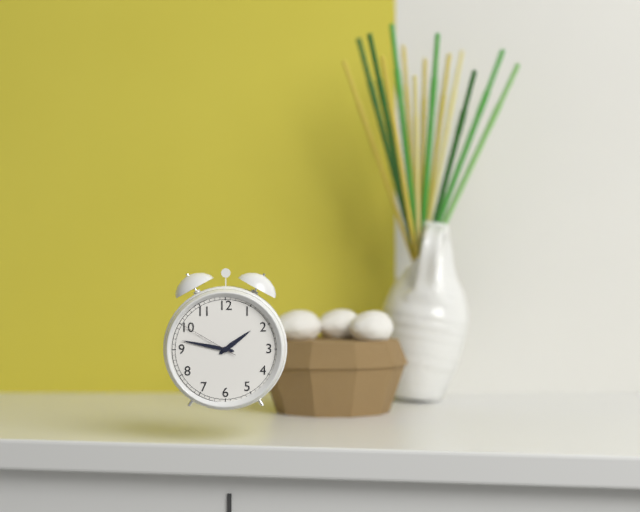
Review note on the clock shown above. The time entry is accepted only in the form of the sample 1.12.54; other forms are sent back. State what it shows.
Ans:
1.47.50
